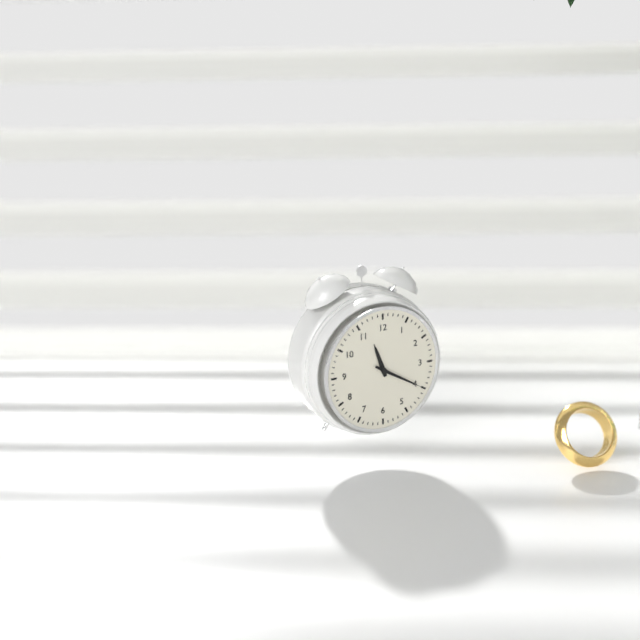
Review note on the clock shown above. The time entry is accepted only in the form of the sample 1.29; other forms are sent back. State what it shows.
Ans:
11.20
